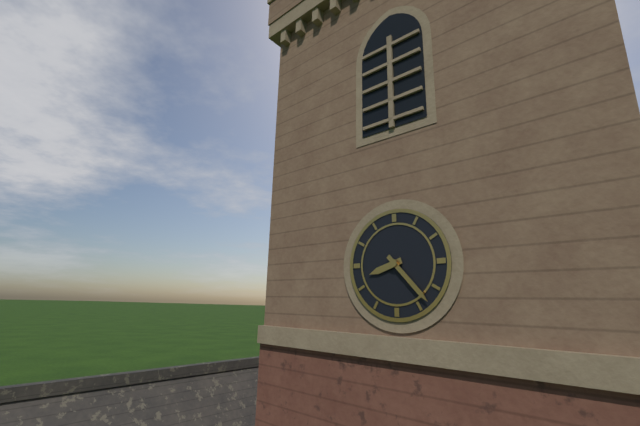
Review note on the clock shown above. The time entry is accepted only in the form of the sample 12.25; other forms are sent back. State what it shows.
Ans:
8.23
